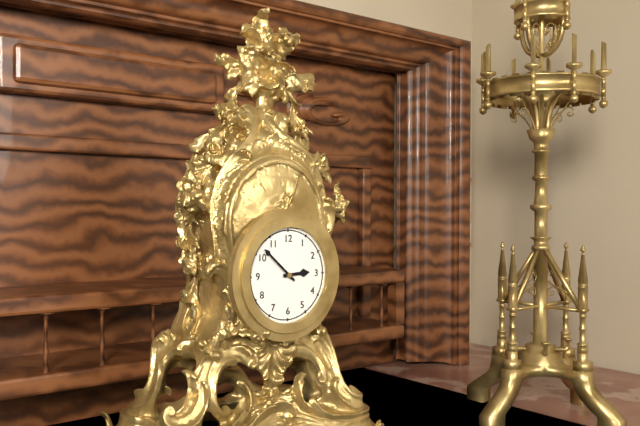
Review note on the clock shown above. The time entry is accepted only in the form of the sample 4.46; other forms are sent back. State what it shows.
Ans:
2.52
